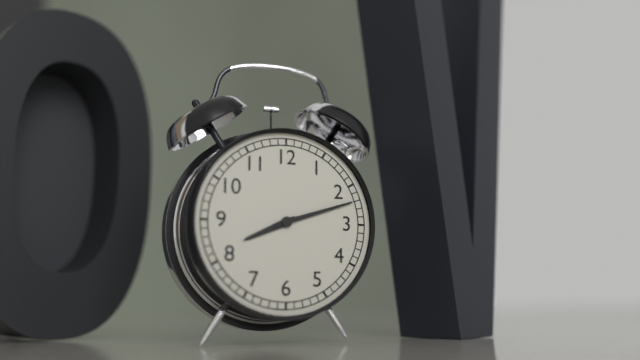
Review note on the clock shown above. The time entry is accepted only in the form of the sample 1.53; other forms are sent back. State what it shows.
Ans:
8.12
